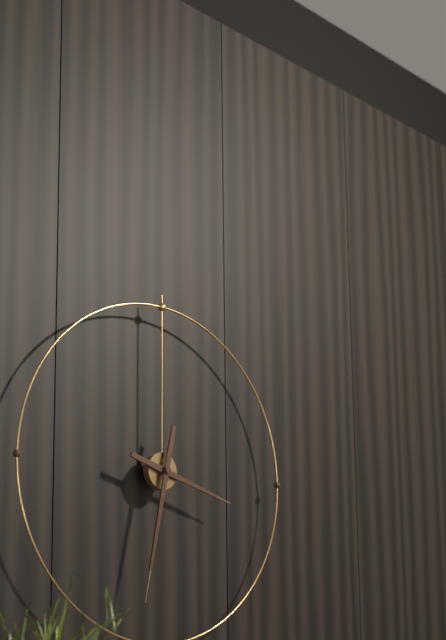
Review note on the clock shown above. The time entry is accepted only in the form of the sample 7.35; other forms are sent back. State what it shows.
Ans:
3.32
